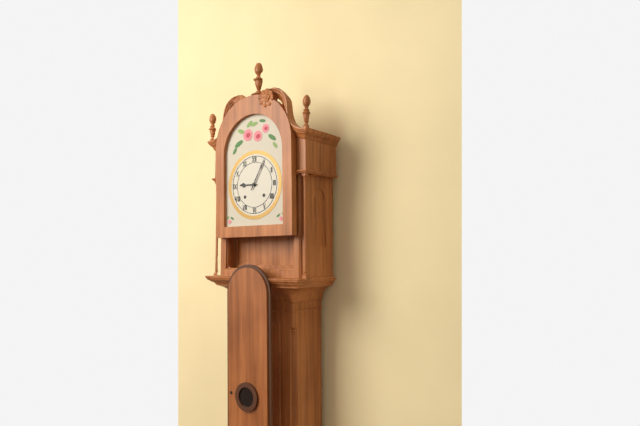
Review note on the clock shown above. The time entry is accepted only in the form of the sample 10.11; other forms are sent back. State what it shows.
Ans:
9.05
